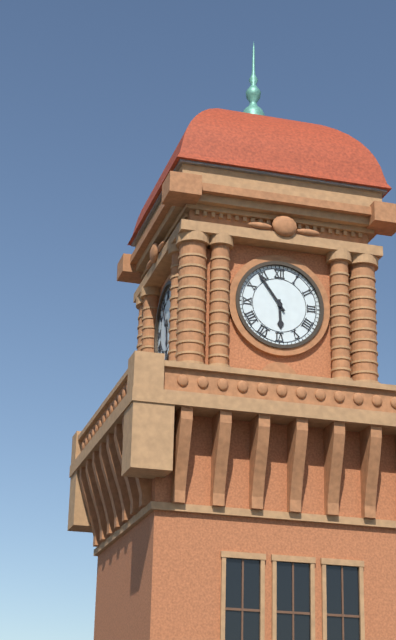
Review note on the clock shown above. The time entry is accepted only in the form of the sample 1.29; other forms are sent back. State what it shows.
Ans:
5.54
